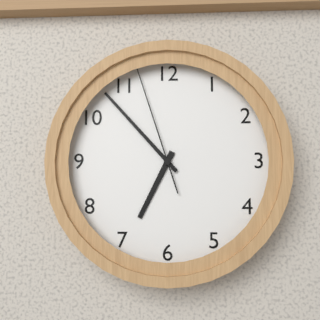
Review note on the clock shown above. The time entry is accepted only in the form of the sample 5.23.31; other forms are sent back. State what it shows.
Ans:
6.53.57
